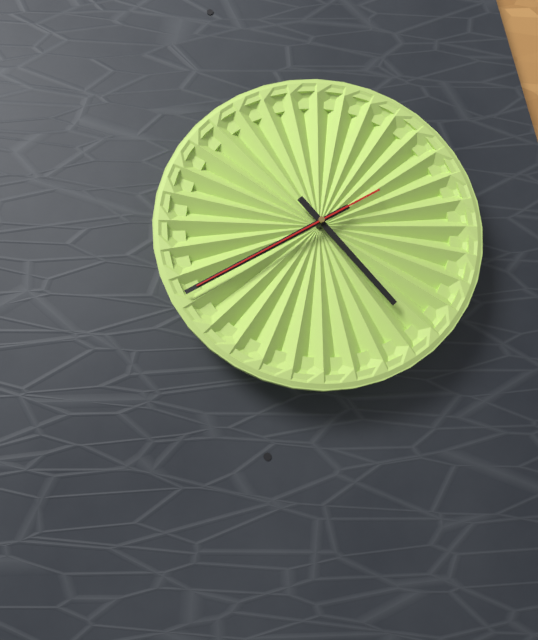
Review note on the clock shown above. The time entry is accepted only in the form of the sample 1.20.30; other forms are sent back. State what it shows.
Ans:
4.40.40
